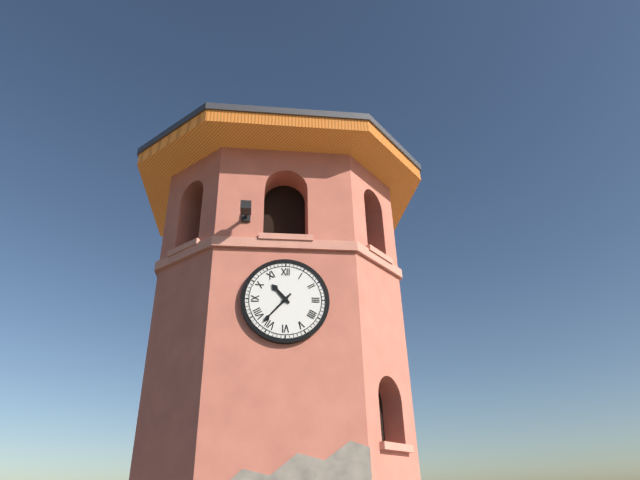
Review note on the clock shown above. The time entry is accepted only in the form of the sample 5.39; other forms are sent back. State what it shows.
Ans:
10.37
